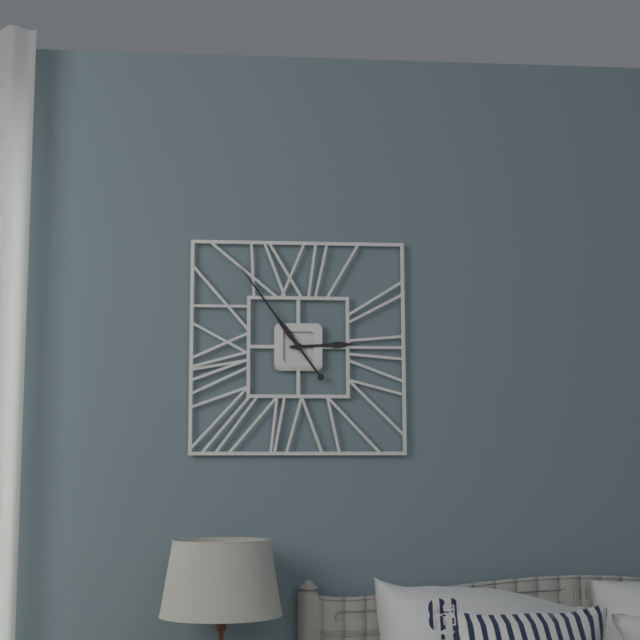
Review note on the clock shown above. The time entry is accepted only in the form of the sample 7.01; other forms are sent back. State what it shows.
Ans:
2.54
